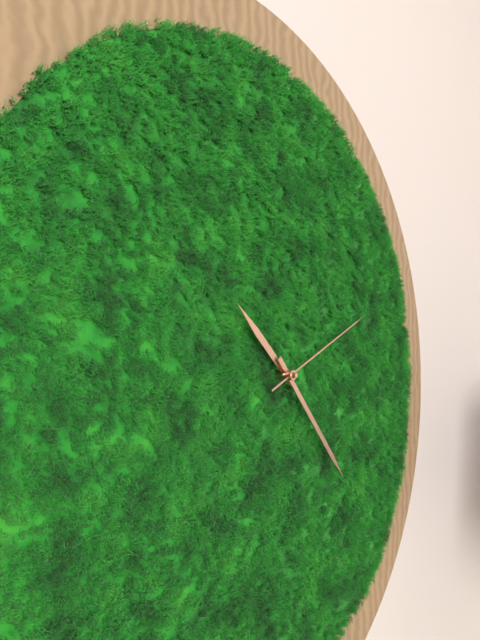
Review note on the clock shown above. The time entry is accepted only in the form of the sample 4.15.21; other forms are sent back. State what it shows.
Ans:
10.23.11
